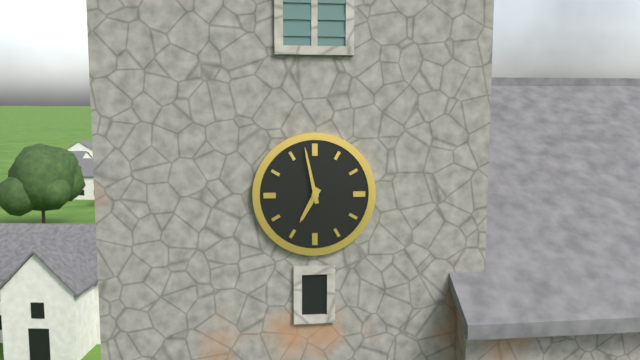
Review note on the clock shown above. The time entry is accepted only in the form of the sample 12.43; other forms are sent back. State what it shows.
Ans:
6.58
